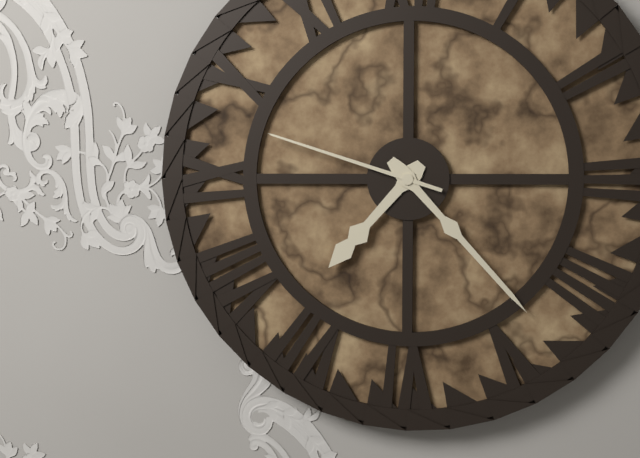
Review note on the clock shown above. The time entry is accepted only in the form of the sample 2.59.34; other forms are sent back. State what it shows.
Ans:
7.23.48
